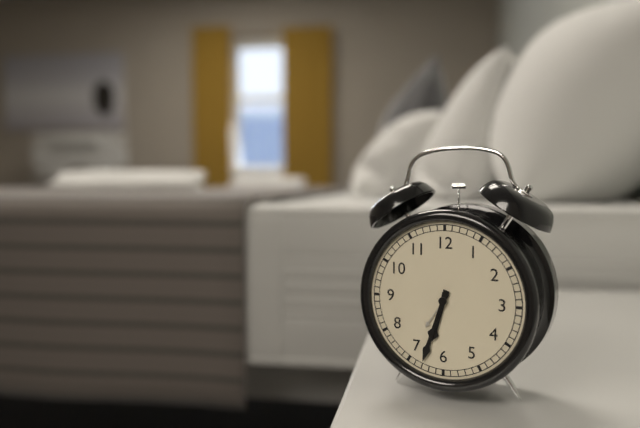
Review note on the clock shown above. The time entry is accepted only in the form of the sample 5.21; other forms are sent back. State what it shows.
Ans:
6.33
